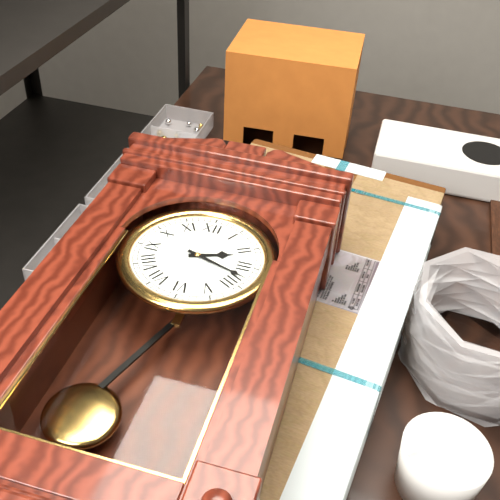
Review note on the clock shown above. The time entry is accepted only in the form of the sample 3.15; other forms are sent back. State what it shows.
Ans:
2.18
